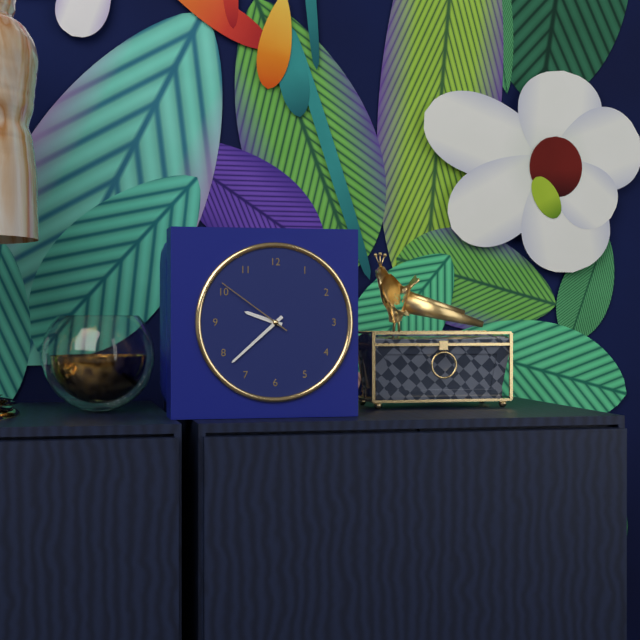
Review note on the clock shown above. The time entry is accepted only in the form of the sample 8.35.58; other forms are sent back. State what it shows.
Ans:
9.38.51
